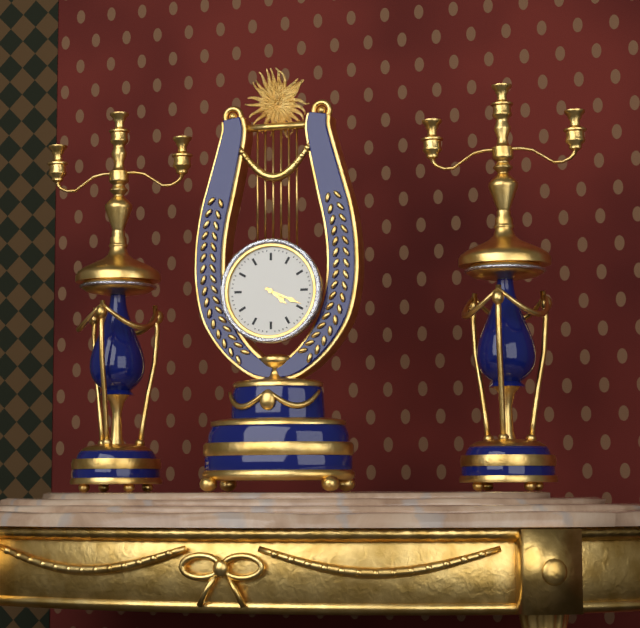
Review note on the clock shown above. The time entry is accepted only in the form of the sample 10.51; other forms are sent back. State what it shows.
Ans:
4.19
